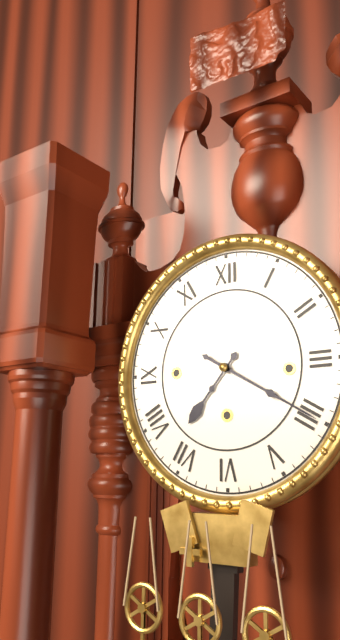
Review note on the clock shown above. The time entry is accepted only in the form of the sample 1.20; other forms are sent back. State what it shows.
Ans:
7.20
